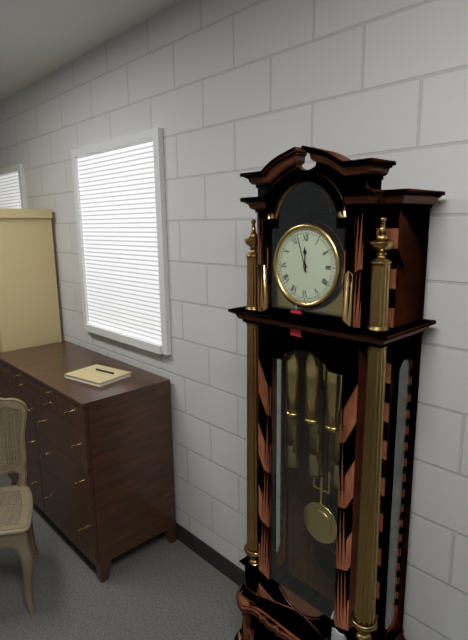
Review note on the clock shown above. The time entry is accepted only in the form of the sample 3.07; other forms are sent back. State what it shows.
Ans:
11.57
